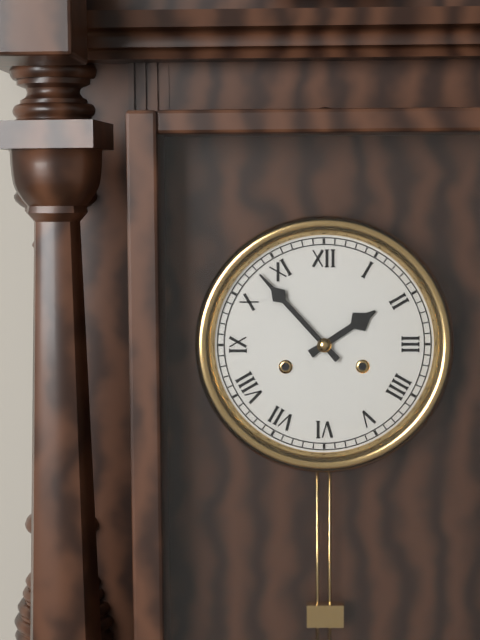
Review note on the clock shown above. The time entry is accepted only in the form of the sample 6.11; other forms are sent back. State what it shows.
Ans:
1.53
